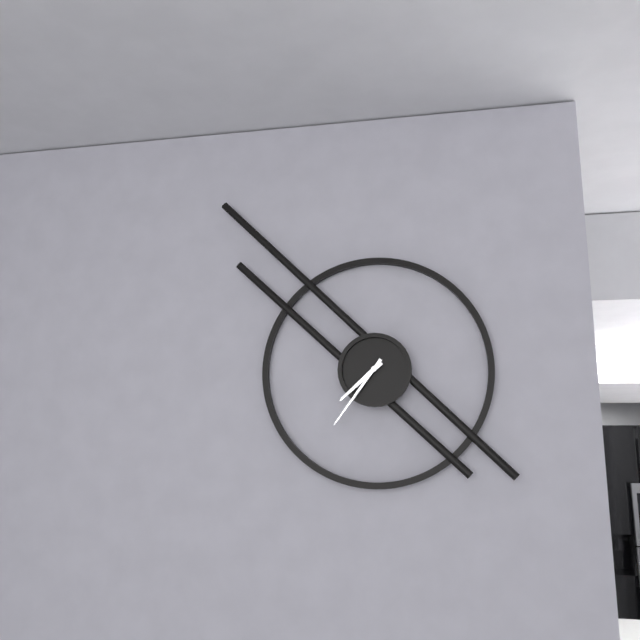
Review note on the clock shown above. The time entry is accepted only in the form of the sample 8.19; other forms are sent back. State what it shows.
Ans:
7.36
